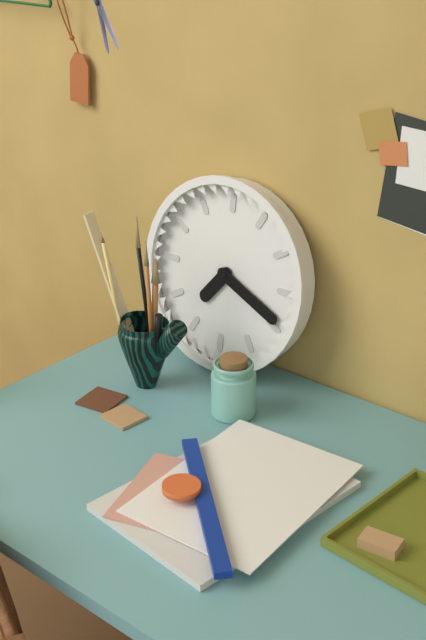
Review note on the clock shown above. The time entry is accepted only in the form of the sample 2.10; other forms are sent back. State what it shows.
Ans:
7.19
